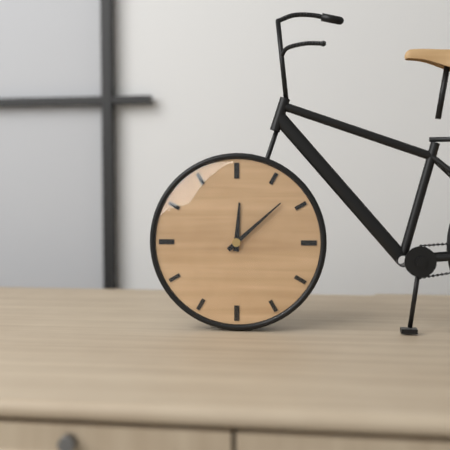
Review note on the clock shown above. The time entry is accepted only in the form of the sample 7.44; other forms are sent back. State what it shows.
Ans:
12.08
